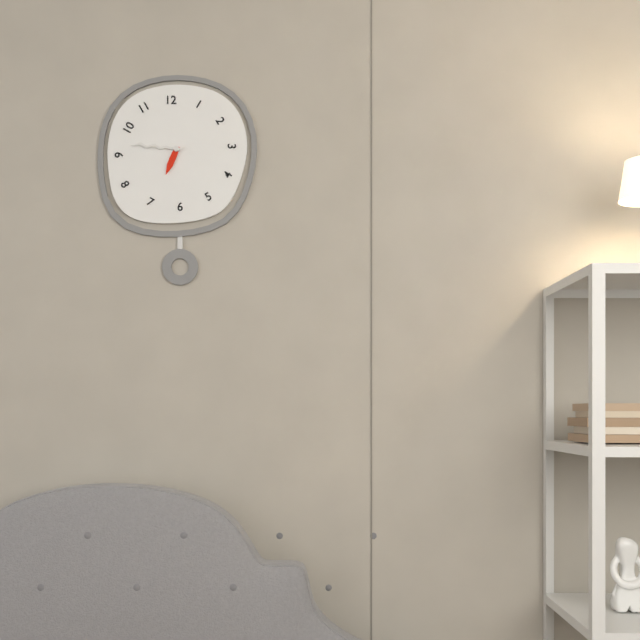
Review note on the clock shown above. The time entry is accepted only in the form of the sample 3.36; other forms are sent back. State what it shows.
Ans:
6.46
